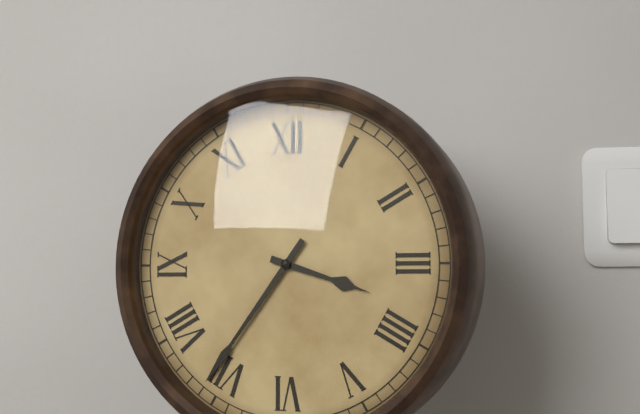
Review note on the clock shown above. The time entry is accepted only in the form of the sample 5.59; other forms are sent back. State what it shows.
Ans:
3.36
